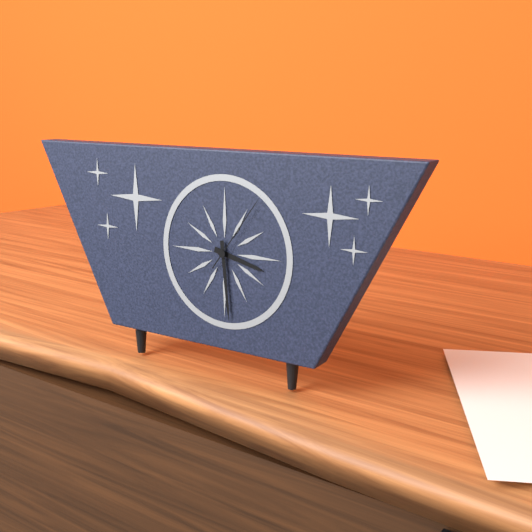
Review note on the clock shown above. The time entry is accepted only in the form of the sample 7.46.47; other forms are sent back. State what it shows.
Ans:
3.29.06
